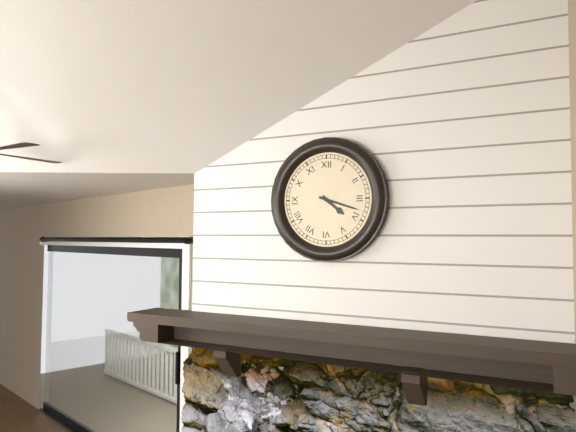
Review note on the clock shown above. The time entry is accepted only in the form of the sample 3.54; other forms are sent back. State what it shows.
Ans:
4.18
